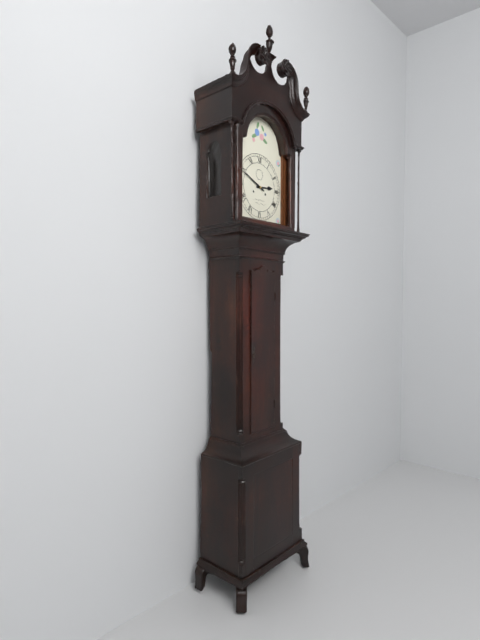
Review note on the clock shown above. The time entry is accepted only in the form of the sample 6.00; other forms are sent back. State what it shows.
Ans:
2.49
